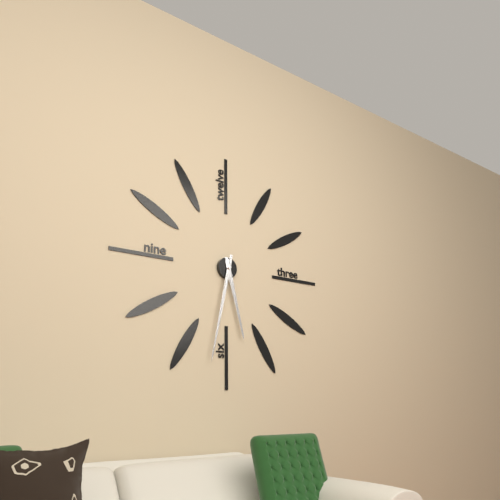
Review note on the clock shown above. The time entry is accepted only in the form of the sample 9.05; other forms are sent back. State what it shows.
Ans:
5.32
